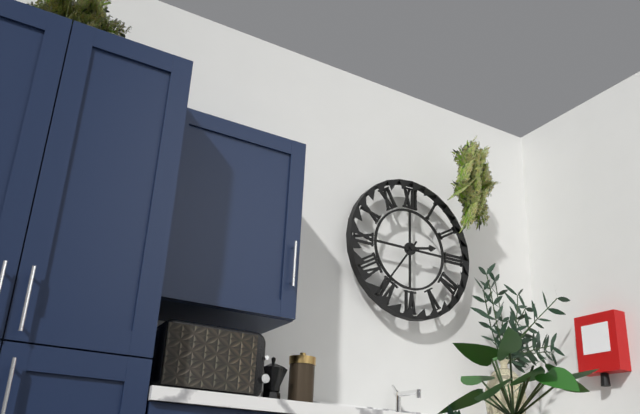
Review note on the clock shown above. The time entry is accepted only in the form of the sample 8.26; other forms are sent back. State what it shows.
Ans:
2.36
